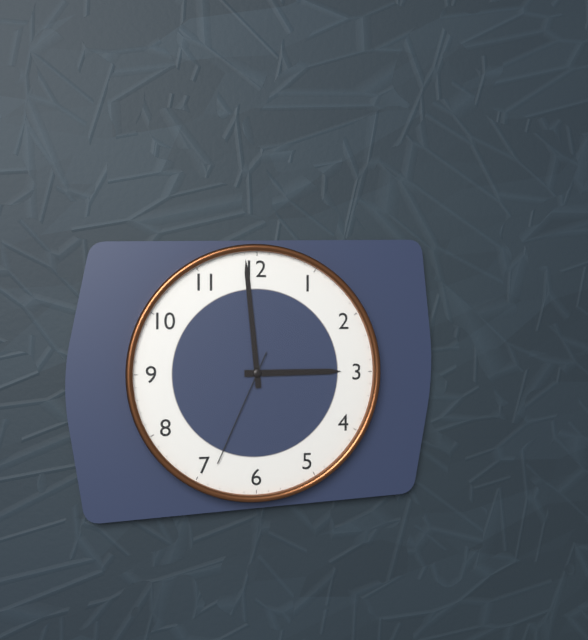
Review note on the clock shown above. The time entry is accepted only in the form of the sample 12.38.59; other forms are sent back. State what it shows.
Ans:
2.59.34
